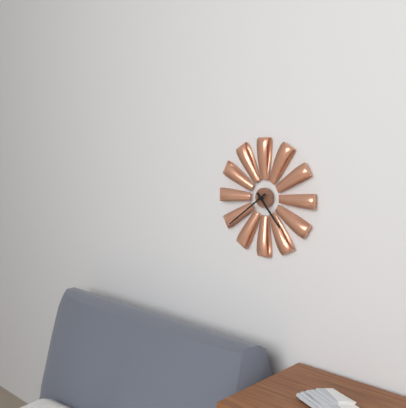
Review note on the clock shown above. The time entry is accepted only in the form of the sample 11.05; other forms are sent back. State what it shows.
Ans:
4.39
